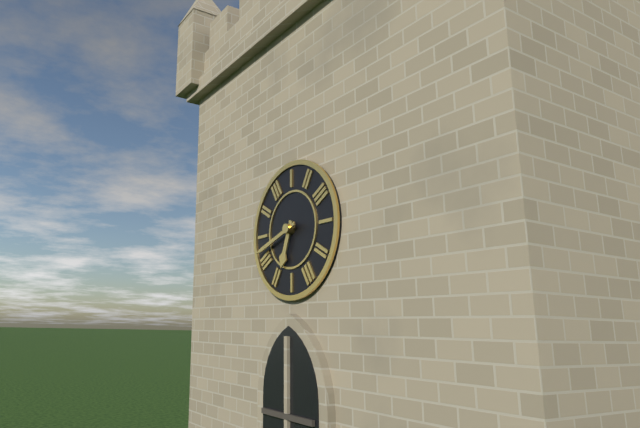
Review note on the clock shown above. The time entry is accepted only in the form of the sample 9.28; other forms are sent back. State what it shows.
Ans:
6.42
